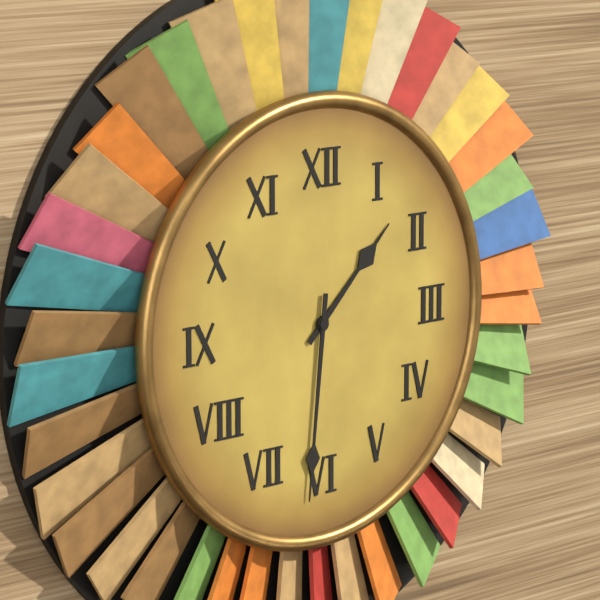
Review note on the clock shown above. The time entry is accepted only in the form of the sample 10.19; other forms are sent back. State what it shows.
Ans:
1.31
